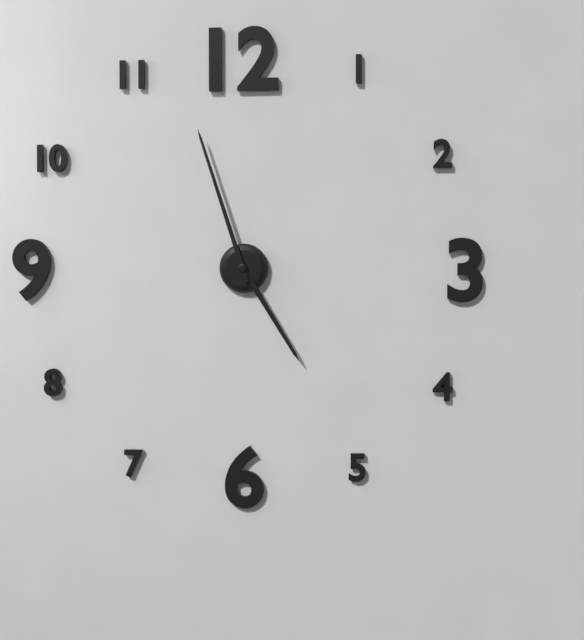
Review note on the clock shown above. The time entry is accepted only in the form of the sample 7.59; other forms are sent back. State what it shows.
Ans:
4.57
